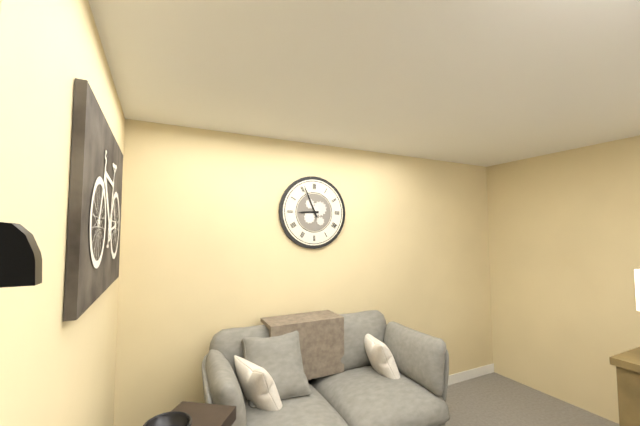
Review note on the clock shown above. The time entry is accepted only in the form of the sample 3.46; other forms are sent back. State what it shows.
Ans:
8.56
